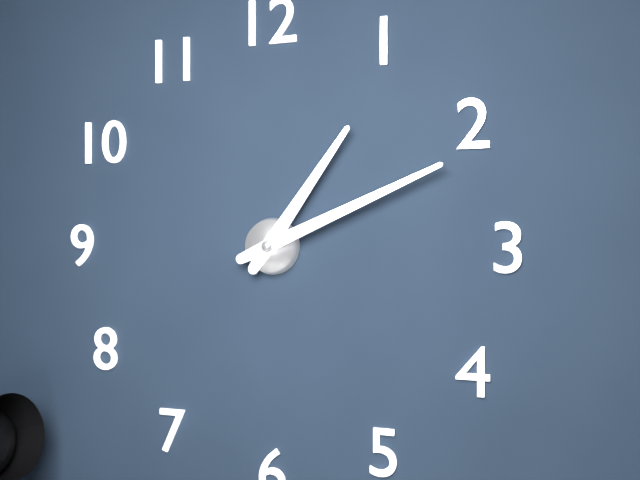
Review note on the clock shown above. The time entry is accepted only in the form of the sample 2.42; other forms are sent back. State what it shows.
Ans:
1.11
